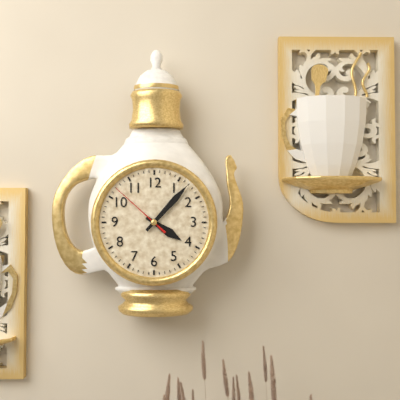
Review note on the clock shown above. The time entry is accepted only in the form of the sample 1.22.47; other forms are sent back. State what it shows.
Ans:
4.07.52
